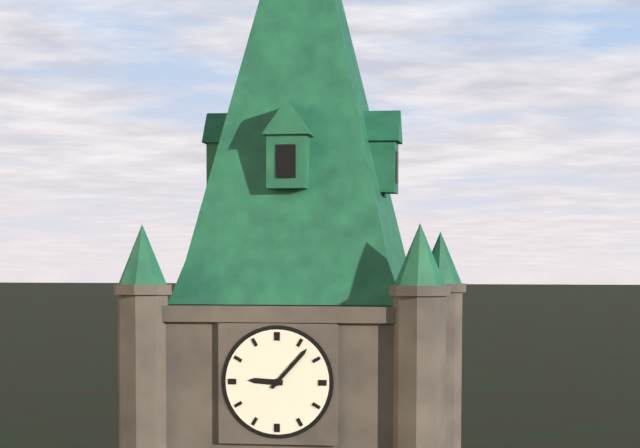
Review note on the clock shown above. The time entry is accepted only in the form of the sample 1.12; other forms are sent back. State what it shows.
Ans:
9.07
